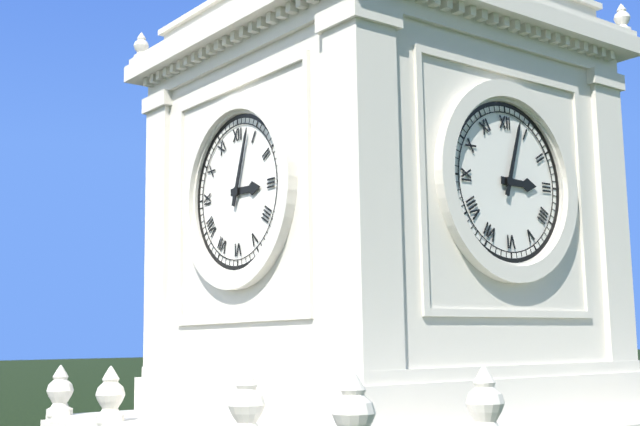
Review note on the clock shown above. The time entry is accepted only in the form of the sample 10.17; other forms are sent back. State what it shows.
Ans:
3.03
